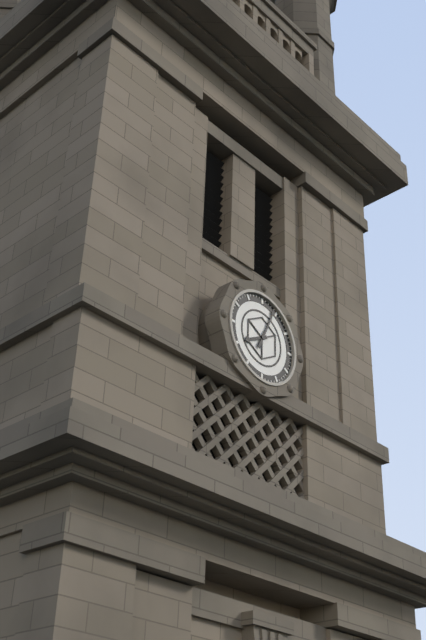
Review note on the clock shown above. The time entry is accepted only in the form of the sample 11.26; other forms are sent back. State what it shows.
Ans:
8.04
